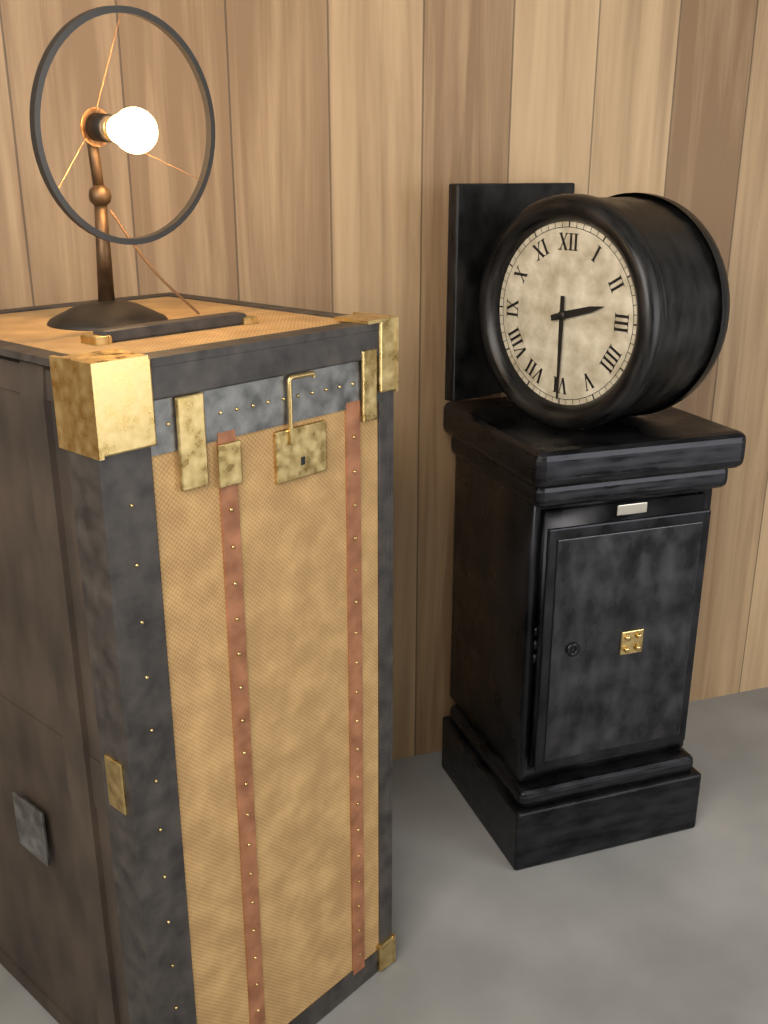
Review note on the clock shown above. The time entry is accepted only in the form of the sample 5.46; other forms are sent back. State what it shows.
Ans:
2.30
